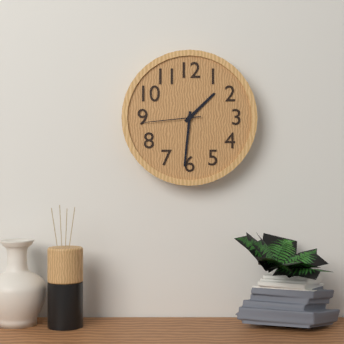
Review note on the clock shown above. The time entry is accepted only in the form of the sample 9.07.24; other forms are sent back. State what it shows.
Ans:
1.31.44
